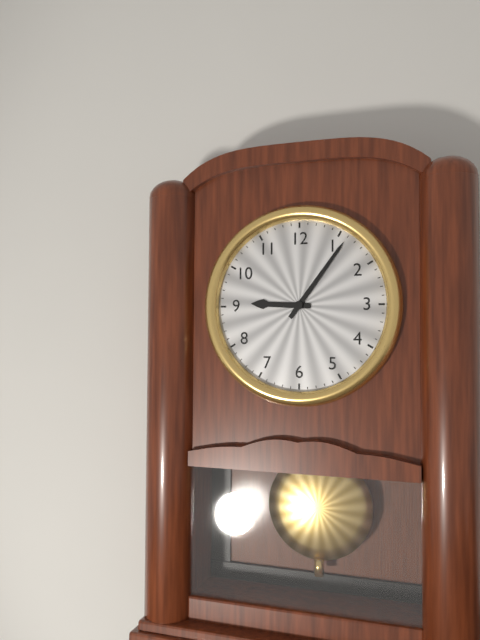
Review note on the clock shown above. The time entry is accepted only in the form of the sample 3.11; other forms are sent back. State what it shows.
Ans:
9.06
